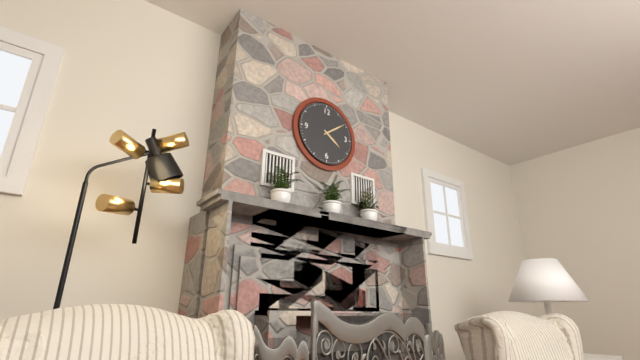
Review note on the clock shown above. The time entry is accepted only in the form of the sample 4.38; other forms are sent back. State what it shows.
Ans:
4.09
